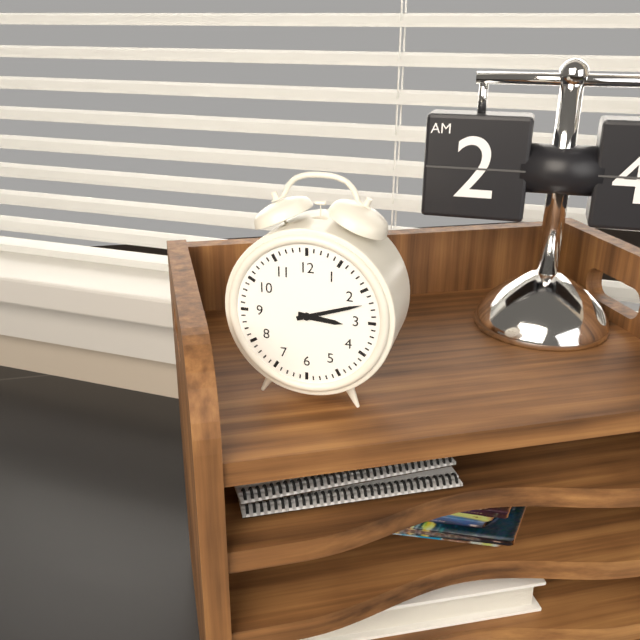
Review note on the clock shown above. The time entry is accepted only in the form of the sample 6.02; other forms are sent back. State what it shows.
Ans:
3.12
